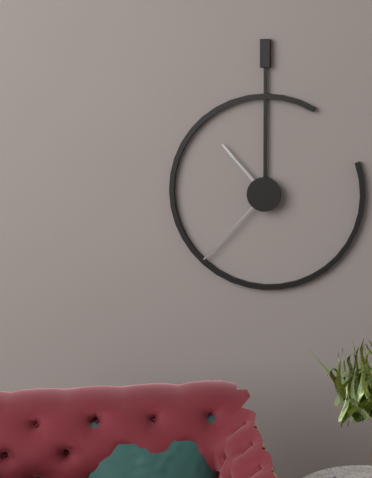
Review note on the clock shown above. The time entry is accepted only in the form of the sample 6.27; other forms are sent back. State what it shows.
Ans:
10.37
